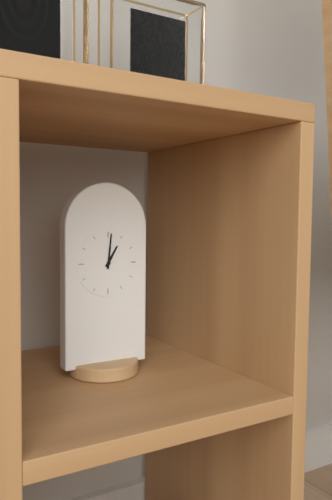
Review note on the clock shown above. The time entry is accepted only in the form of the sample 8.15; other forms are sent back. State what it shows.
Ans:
1.01
